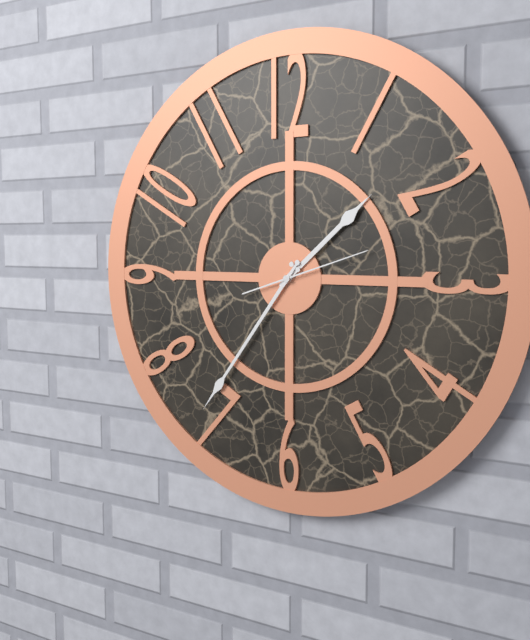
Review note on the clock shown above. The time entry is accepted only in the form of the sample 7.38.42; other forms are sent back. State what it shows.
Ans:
1.36.12
